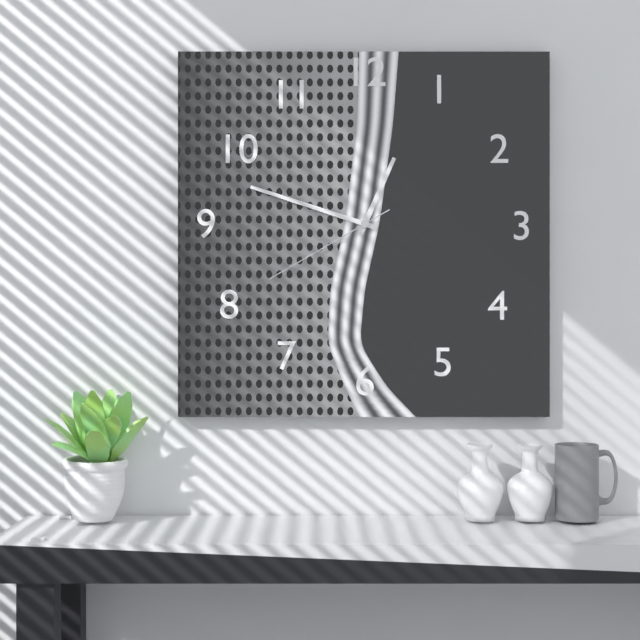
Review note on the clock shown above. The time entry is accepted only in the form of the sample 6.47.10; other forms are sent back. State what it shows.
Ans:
12.48.40
